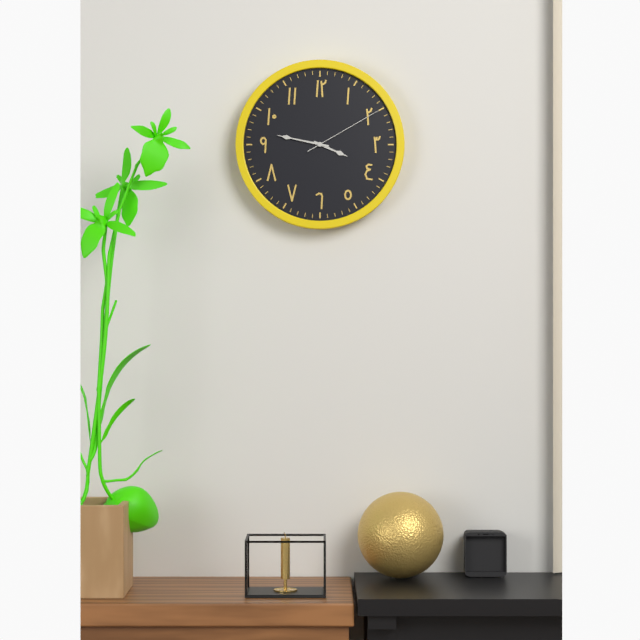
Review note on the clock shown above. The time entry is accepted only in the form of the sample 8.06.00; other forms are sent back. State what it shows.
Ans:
3.47.10
